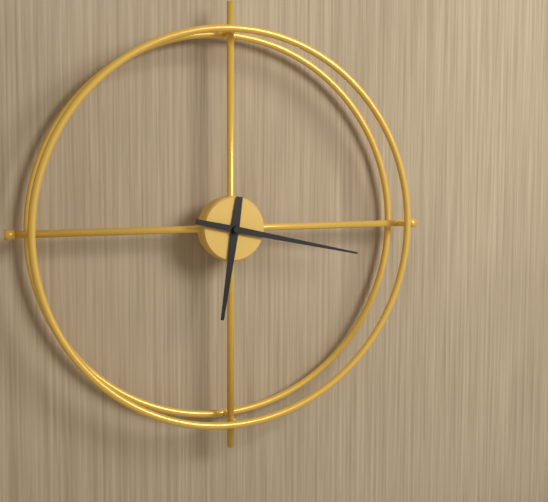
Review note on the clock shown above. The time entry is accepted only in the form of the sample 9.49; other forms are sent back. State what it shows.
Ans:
6.17
